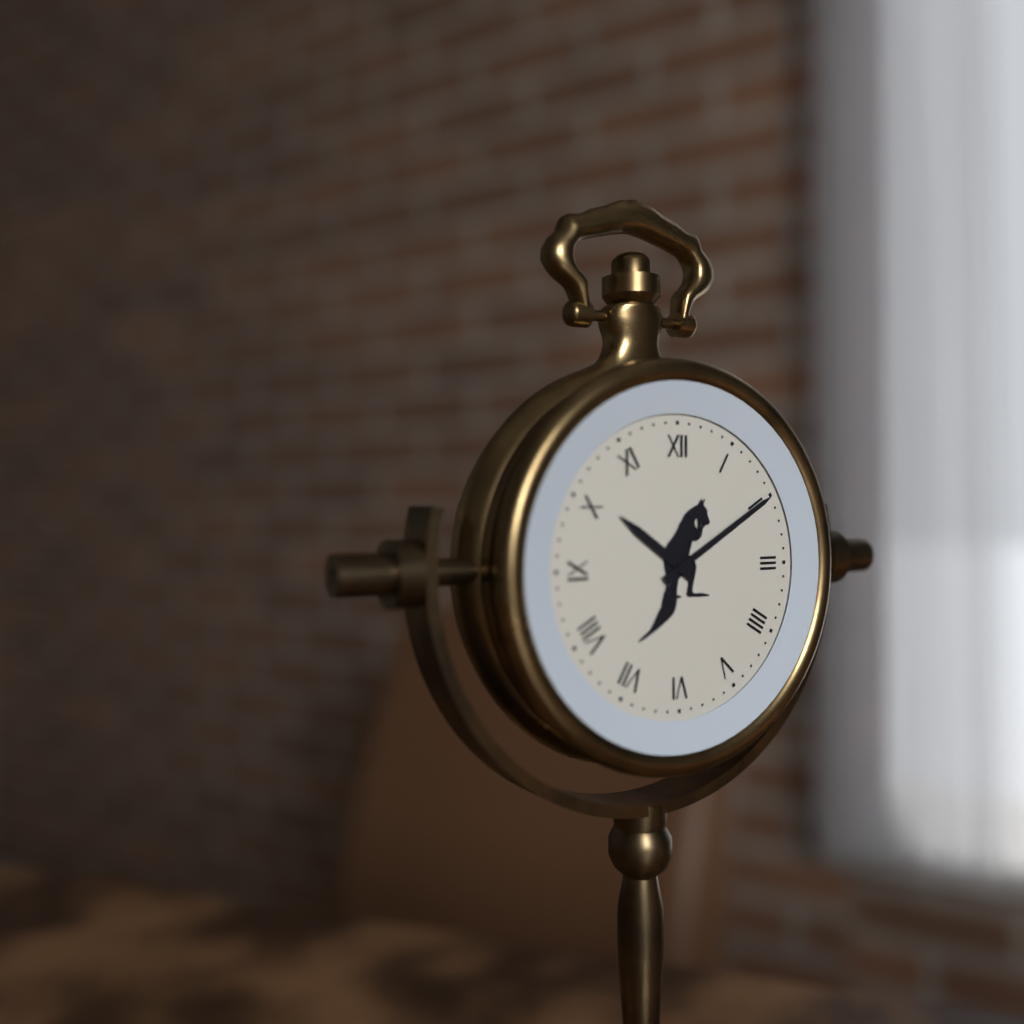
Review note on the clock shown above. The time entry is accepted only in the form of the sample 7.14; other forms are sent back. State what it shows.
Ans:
10.10
